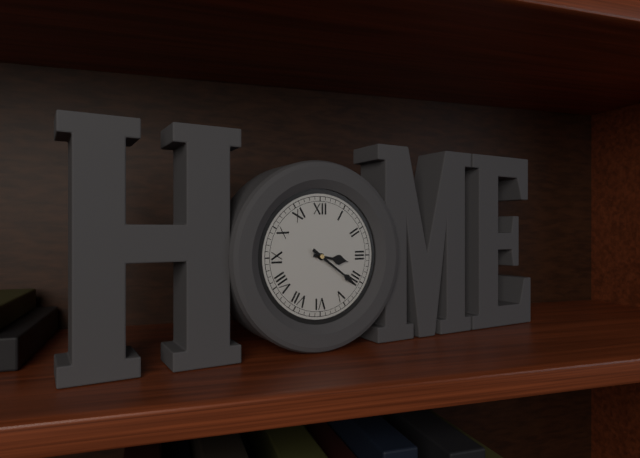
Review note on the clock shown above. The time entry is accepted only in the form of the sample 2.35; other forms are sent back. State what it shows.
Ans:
3.21
